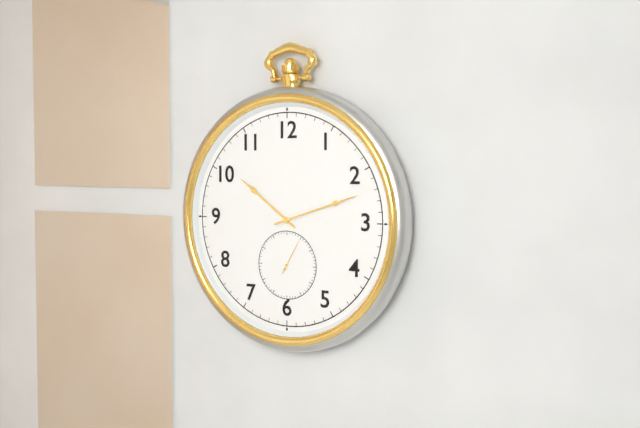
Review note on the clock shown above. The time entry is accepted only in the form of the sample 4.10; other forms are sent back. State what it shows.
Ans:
10.12
